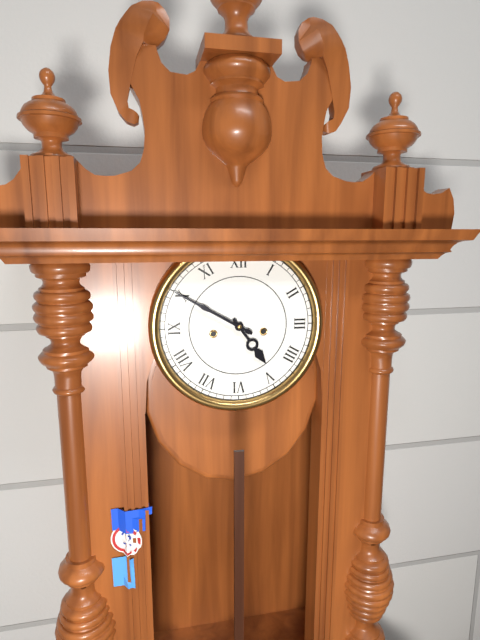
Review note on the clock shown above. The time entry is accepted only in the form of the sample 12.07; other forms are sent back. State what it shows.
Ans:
4.50
